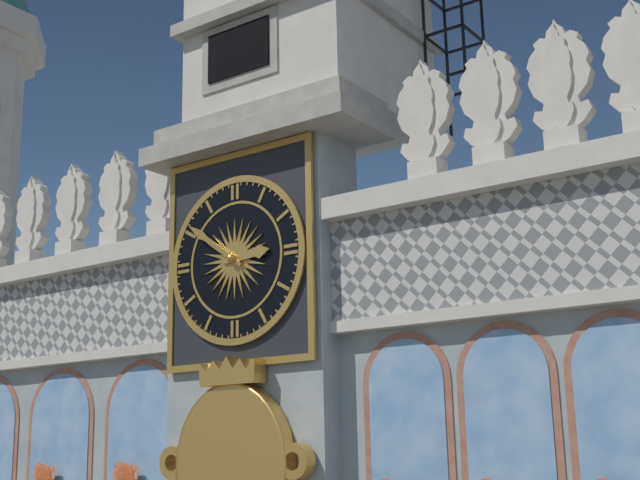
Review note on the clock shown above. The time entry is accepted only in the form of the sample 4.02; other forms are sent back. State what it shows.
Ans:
2.51
